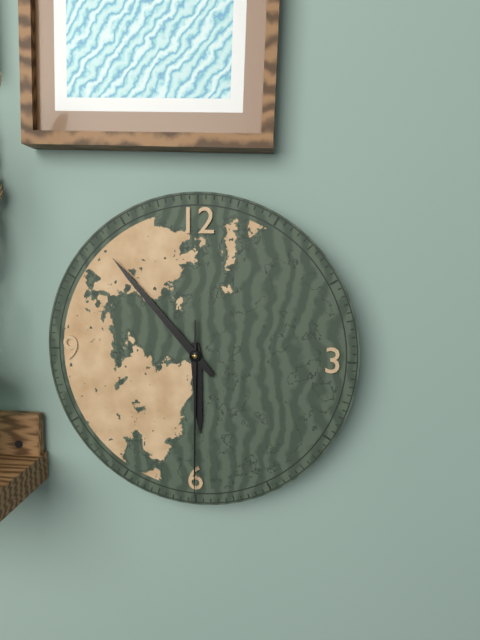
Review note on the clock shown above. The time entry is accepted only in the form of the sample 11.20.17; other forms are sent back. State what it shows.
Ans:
5.53.30
